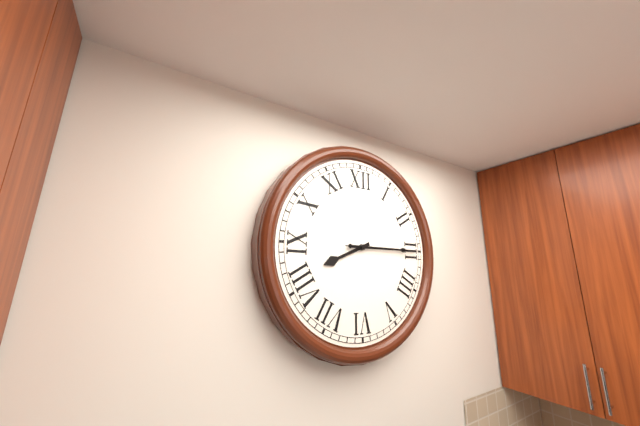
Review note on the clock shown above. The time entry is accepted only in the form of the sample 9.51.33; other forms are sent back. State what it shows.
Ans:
8.15.15
